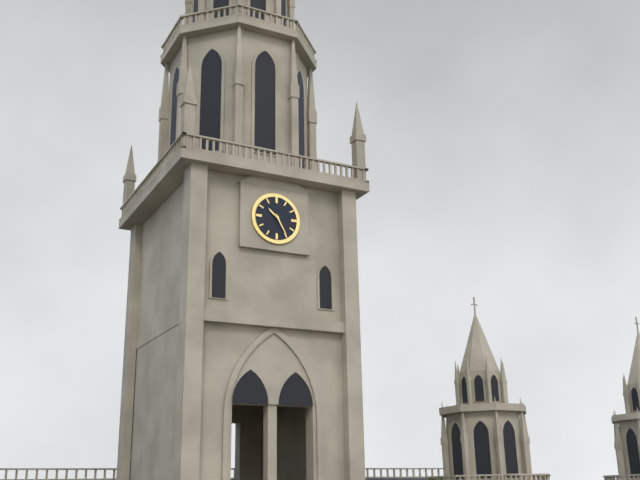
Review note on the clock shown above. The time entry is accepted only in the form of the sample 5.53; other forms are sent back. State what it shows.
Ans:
10.25
